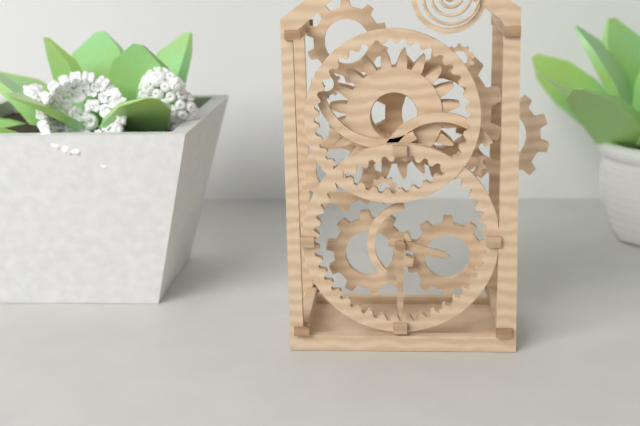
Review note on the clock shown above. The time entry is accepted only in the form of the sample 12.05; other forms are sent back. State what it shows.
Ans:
3.30
